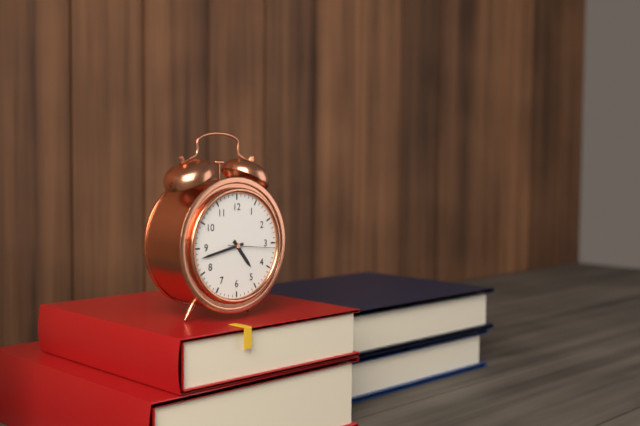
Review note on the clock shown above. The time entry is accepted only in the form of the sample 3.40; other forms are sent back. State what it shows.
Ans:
4.43
